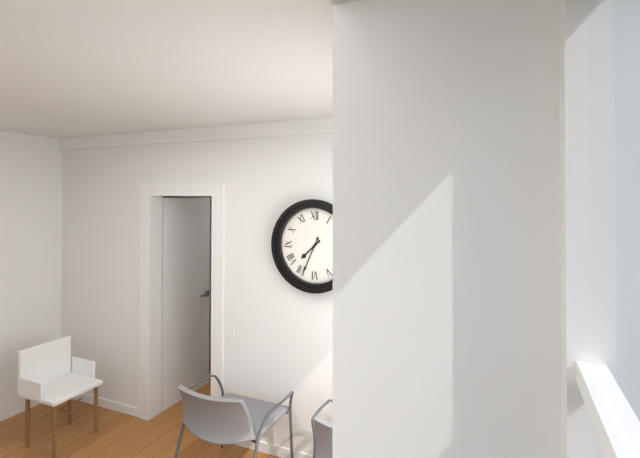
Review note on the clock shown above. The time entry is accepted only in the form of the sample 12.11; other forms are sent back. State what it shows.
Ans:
7.34
